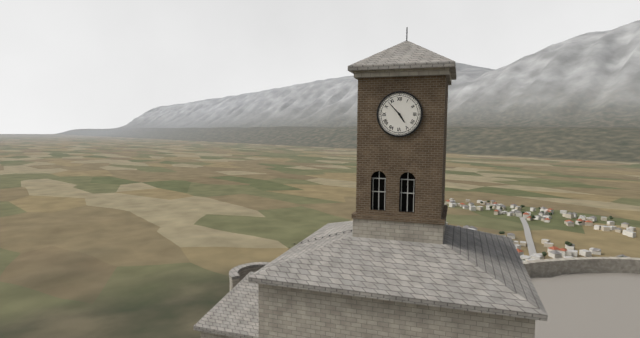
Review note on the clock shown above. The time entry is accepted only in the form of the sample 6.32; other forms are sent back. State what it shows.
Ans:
4.53
